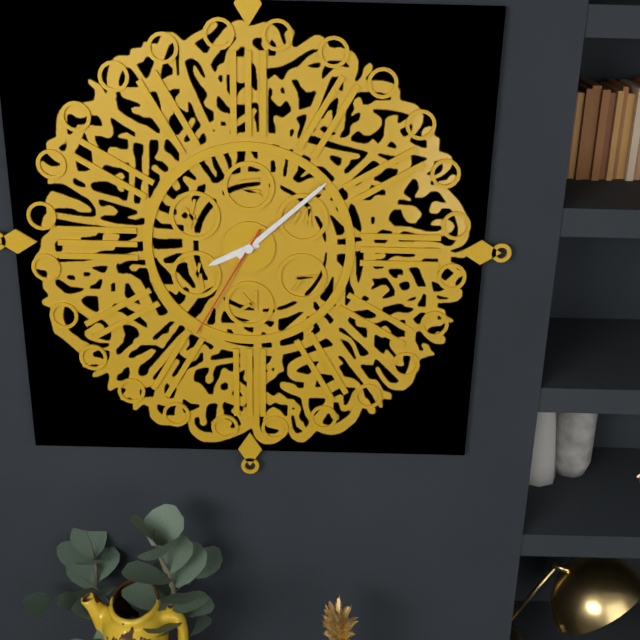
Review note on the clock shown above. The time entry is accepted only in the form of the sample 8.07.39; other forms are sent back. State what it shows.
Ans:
8.08.35
